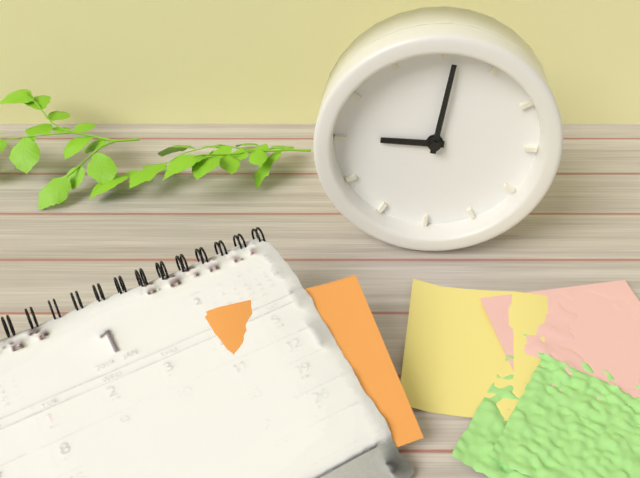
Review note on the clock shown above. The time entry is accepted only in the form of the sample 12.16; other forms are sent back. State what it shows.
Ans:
9.01
